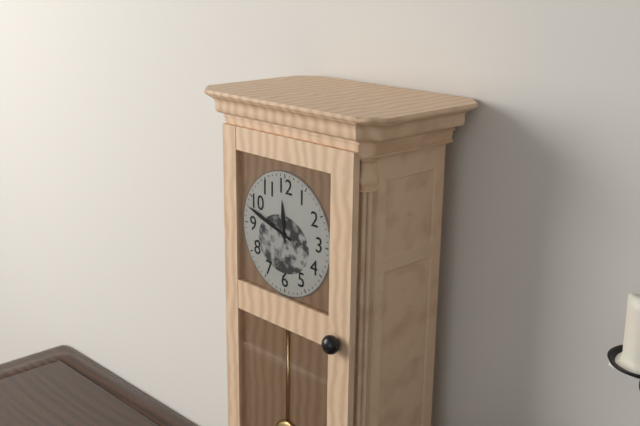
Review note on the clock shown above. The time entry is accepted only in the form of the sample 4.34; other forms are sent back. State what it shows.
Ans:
11.48
